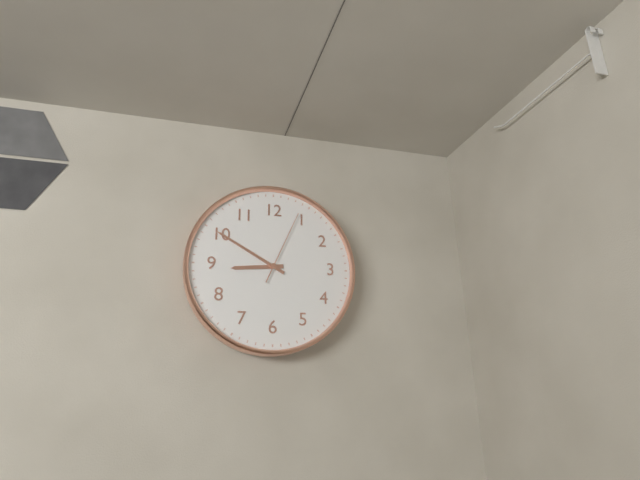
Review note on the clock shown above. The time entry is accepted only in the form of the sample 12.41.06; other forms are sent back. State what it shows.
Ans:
8.50.04
